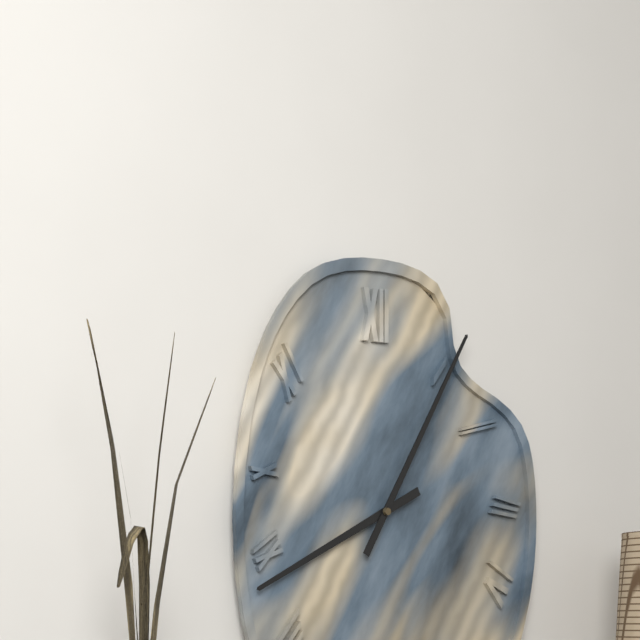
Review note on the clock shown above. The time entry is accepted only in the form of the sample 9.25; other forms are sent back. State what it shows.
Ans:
8.05
